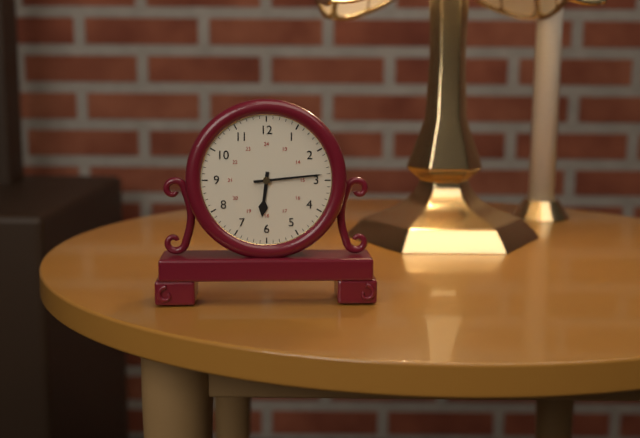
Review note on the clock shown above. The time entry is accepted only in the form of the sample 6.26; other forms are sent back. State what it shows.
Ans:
6.14
